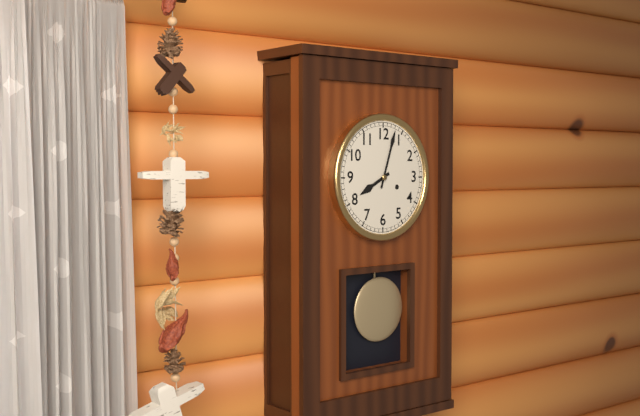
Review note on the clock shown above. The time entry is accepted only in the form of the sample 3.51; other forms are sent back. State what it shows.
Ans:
8.03
